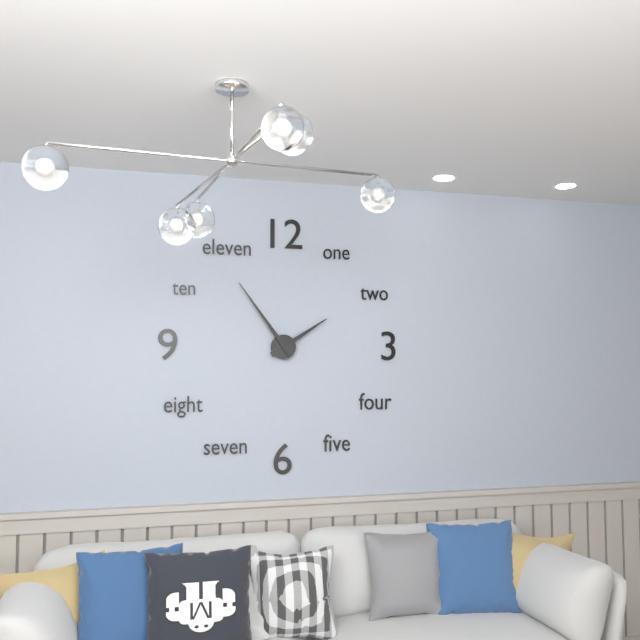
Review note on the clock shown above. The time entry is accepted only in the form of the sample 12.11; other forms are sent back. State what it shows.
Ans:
1.54
